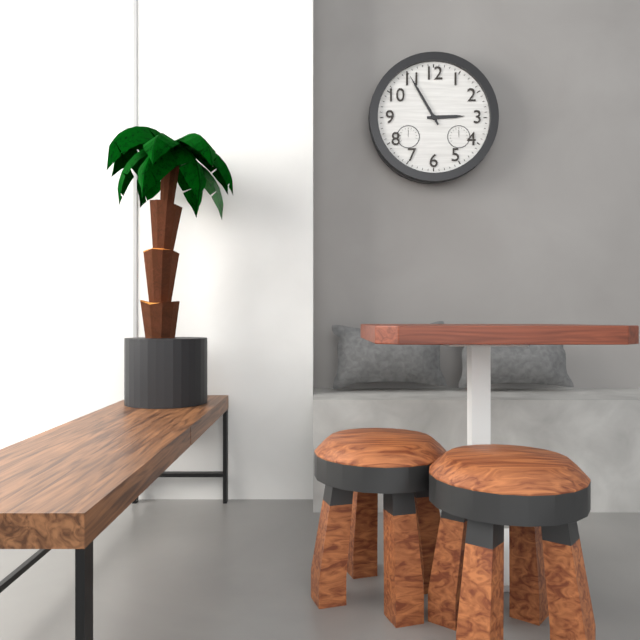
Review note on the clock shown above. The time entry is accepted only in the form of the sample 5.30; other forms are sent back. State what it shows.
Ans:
2.55
